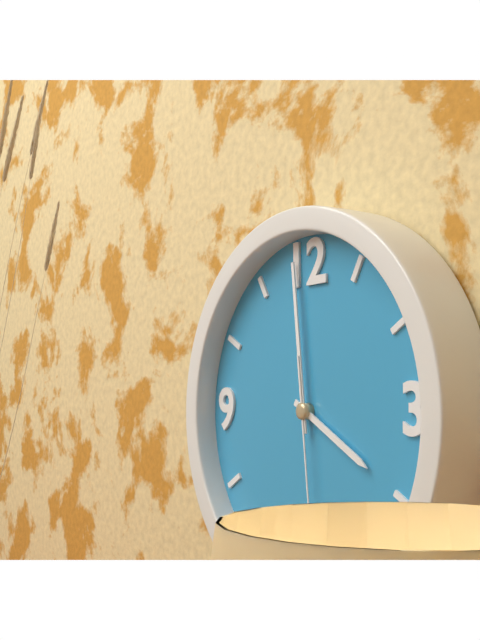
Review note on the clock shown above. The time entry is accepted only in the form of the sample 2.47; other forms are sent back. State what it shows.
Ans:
3.59
